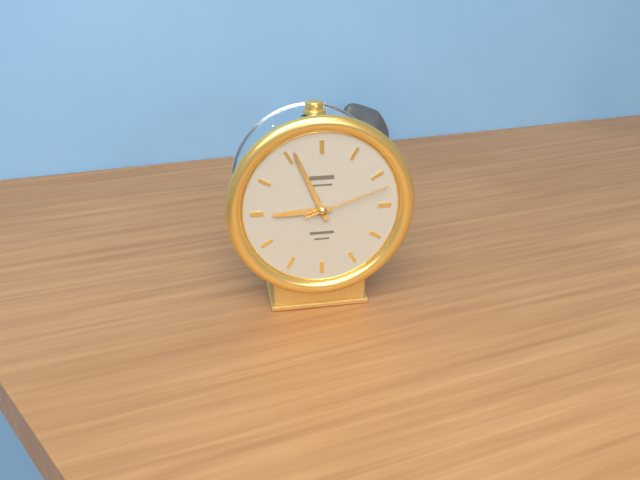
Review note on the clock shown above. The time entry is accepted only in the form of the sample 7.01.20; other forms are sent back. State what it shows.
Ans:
8.56.12
